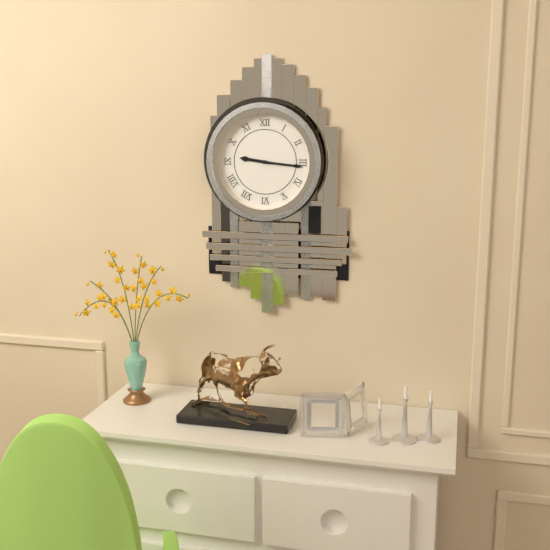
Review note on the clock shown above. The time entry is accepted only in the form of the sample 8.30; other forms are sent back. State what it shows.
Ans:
9.16
